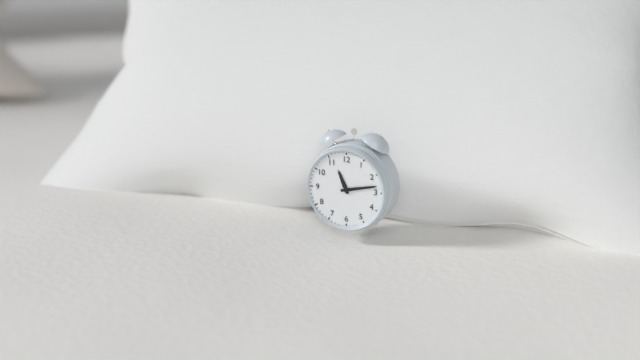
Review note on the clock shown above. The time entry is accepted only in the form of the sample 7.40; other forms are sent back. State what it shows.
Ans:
11.13
